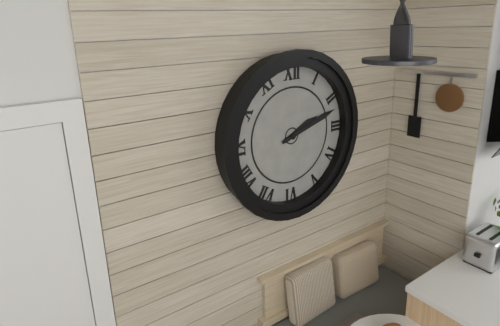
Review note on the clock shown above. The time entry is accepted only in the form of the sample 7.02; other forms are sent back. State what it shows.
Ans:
2.12
